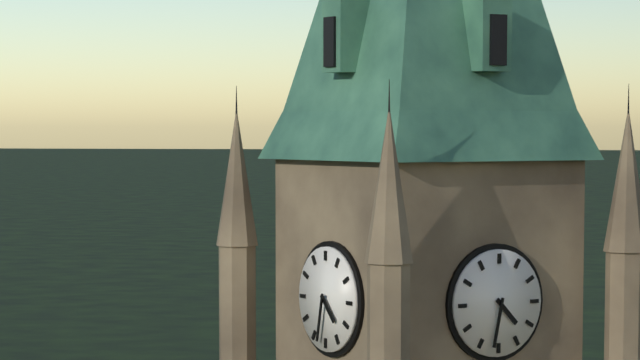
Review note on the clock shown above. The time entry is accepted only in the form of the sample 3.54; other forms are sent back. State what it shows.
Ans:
4.32
